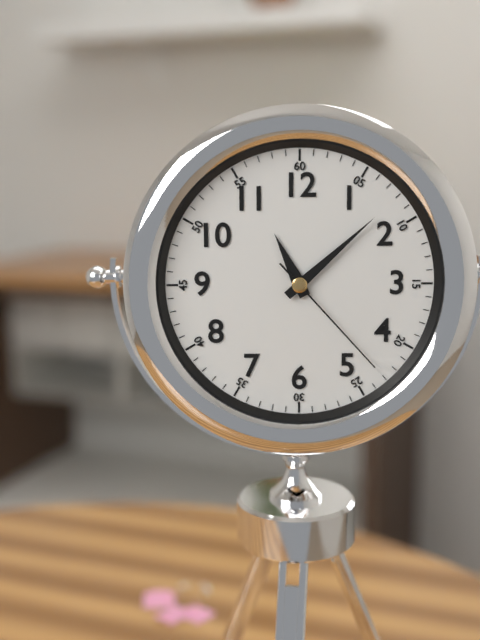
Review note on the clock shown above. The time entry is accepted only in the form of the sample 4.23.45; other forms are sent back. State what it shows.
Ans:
11.08.23
